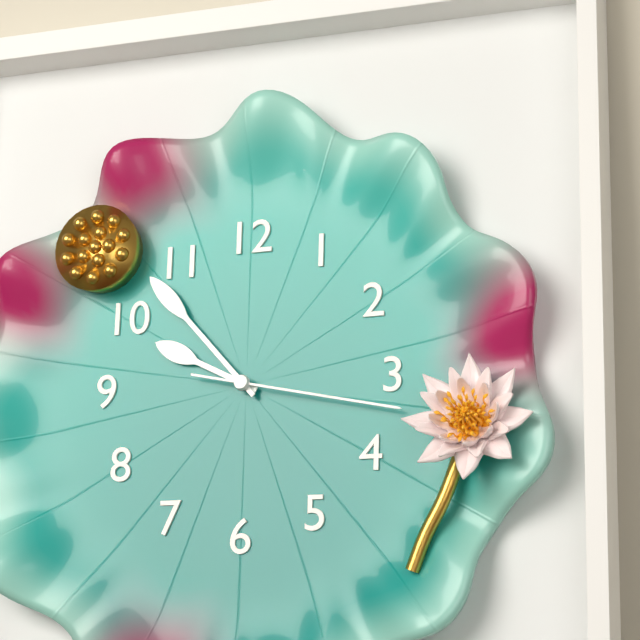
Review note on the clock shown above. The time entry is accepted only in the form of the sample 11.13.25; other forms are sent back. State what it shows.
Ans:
9.53.17
